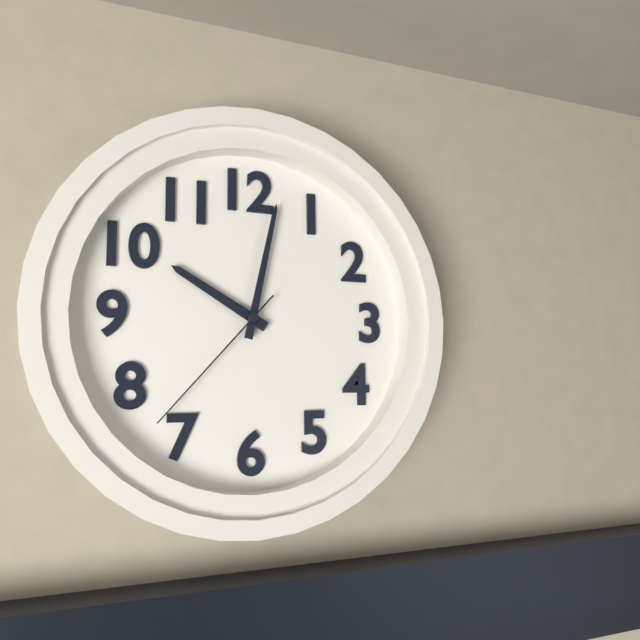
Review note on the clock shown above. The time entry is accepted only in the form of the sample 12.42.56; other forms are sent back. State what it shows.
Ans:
10.02.37
